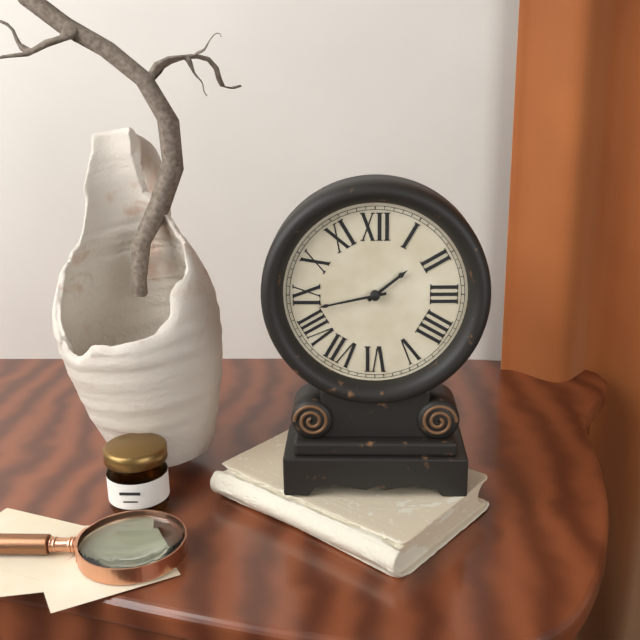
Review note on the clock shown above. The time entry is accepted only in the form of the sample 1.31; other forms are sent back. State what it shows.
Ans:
1.43
